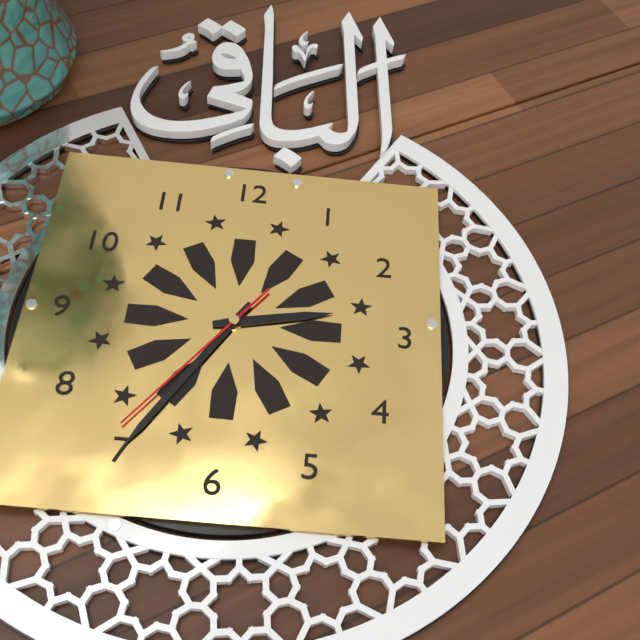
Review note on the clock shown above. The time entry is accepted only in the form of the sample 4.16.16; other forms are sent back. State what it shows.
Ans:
2.35.36
